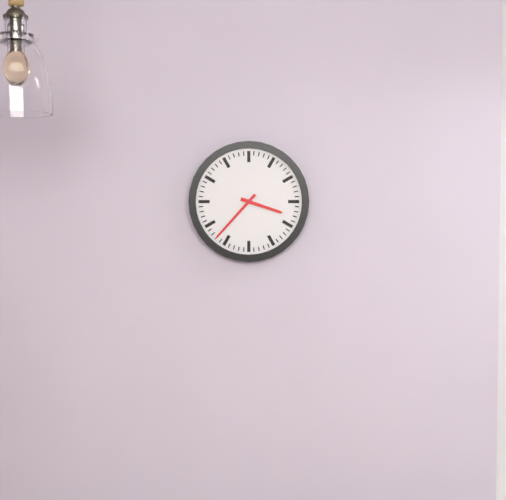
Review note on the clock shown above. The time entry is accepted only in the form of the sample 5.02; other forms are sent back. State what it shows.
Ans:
3.37
